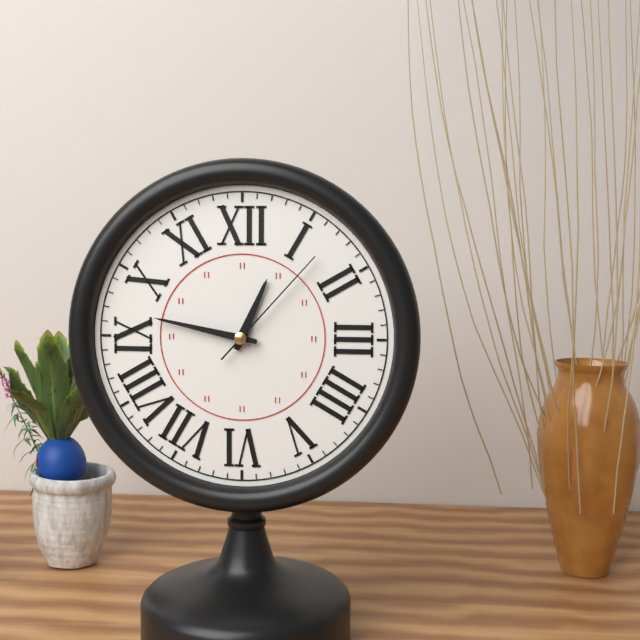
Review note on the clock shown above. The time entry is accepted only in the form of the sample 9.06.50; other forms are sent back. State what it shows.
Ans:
12.47.07
